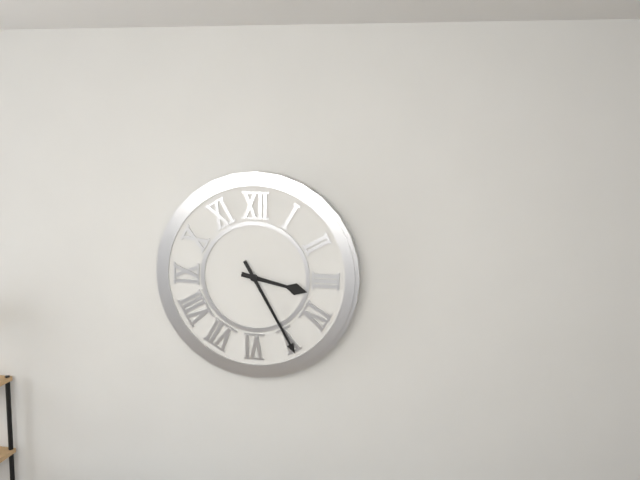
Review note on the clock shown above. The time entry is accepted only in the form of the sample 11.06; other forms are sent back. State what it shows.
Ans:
3.25
